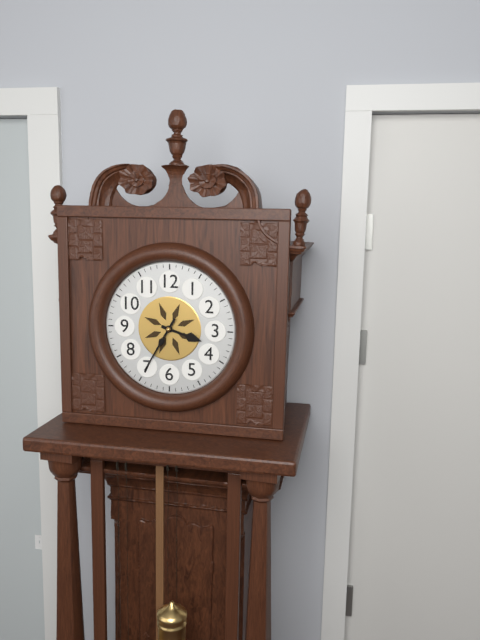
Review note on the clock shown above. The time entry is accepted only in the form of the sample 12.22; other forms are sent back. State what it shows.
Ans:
3.35
